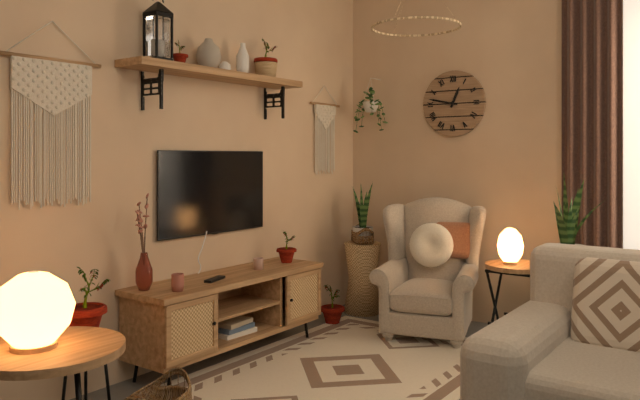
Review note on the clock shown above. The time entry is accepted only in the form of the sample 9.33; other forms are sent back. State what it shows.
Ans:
12.47
